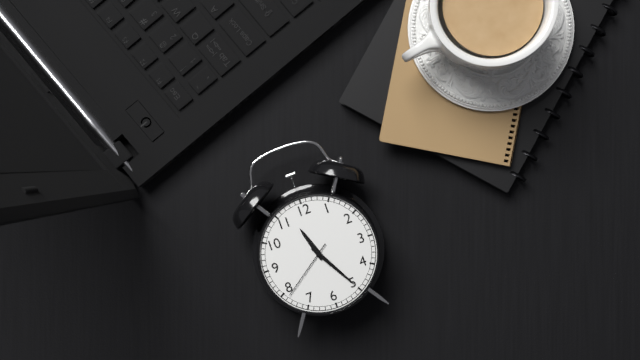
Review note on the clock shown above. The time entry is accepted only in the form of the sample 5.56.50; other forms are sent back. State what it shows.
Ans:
11.25.39
